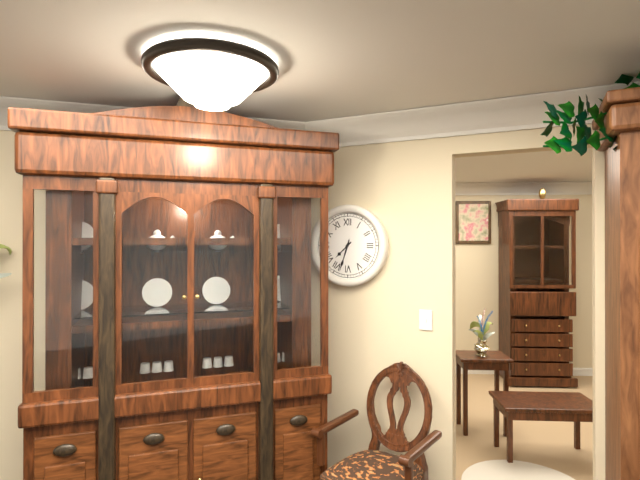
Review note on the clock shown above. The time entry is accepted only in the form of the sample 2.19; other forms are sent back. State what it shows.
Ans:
7.33
